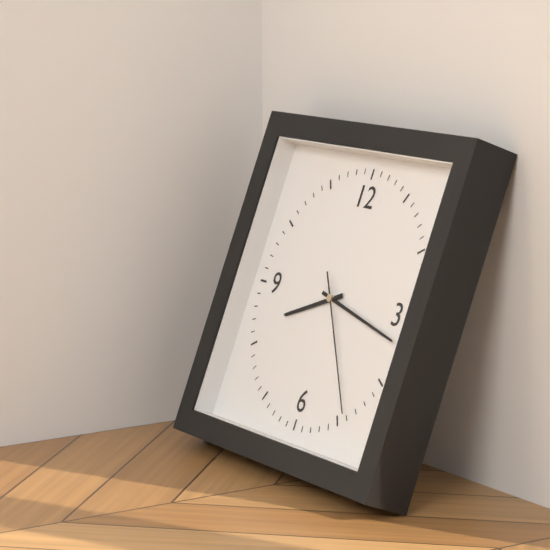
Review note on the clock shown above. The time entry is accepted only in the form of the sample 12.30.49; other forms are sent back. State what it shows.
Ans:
8.17.24
